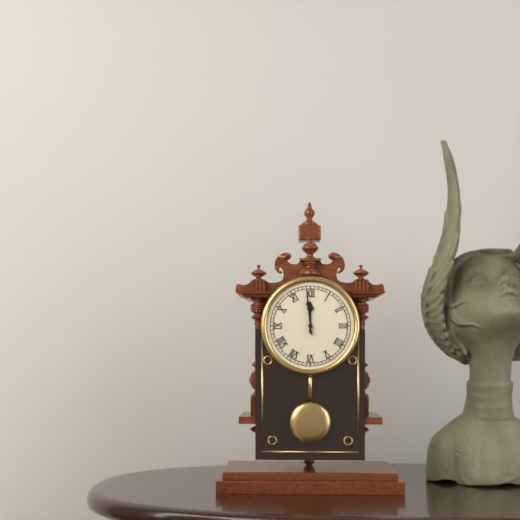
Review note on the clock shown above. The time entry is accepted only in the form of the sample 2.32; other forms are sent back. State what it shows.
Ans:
11.59
